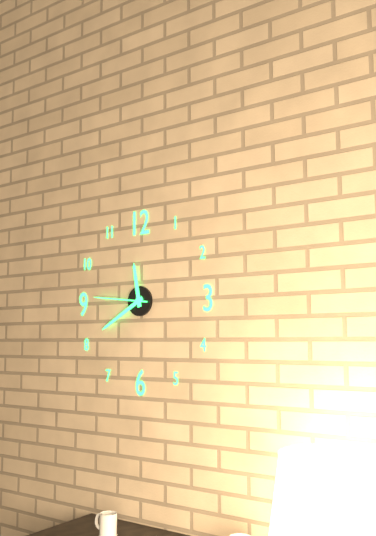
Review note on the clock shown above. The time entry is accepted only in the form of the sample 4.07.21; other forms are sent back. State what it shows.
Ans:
11.40.46
